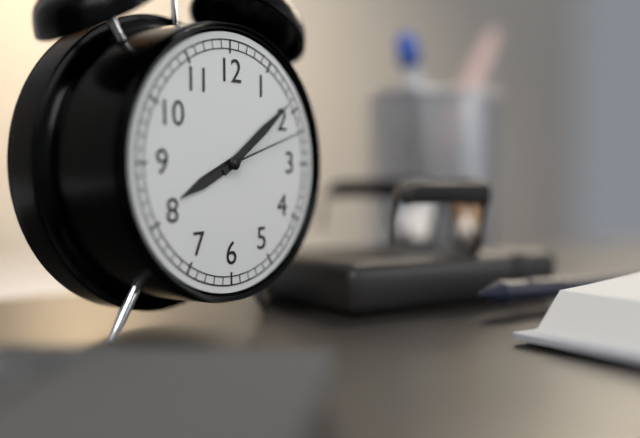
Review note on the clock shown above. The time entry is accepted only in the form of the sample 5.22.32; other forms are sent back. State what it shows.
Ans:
8.09.12
